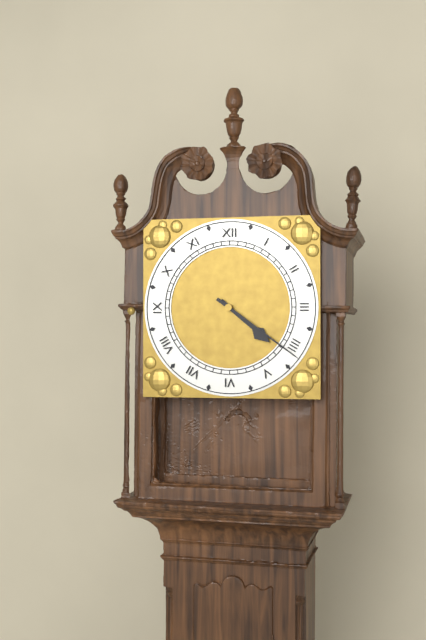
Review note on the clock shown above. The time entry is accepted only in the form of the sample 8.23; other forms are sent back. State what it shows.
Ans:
4.21
